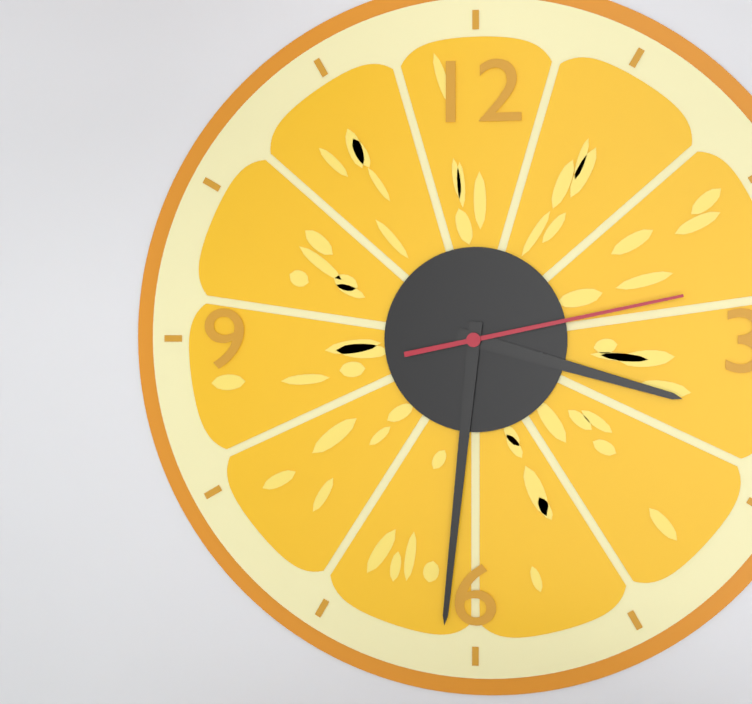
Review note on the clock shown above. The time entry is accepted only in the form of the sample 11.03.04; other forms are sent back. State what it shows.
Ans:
3.31.13
